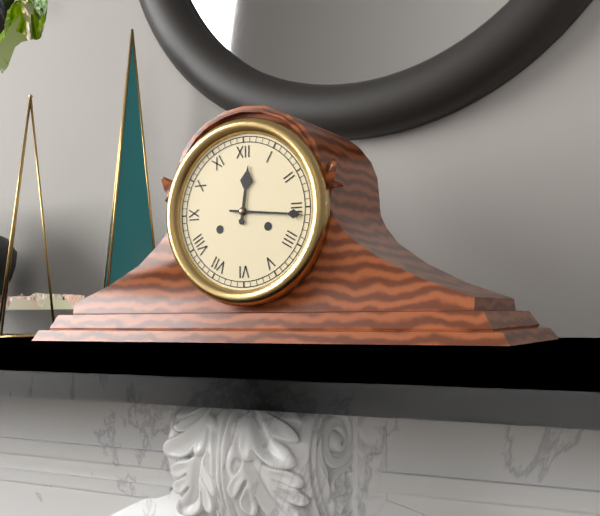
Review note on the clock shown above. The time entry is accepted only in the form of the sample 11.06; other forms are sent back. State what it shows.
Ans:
12.16
